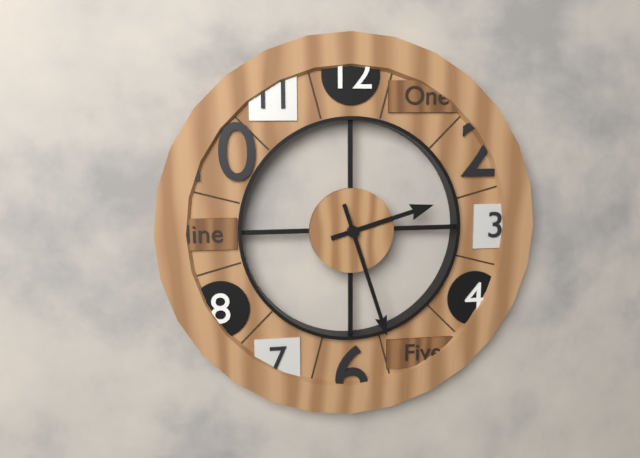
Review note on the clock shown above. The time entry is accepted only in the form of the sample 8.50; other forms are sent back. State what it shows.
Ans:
2.27
